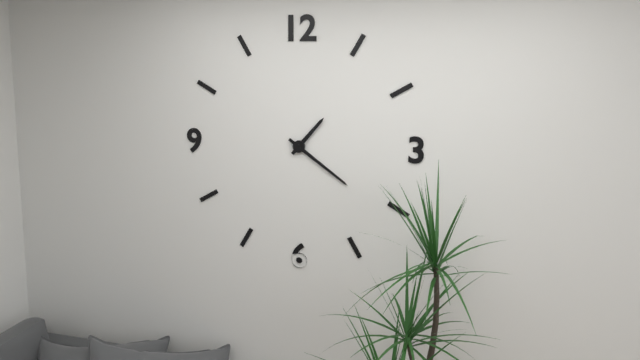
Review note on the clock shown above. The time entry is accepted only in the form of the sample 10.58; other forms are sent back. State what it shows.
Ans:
1.21
